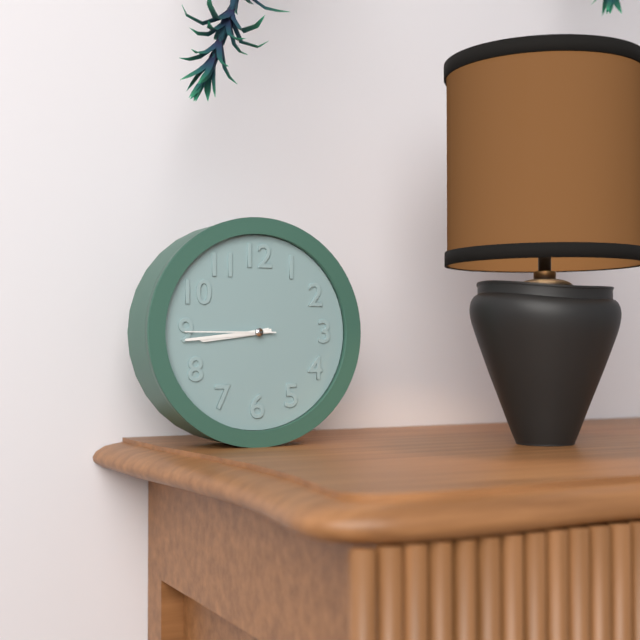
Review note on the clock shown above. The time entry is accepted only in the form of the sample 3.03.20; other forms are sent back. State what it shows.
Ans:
8.44.45
